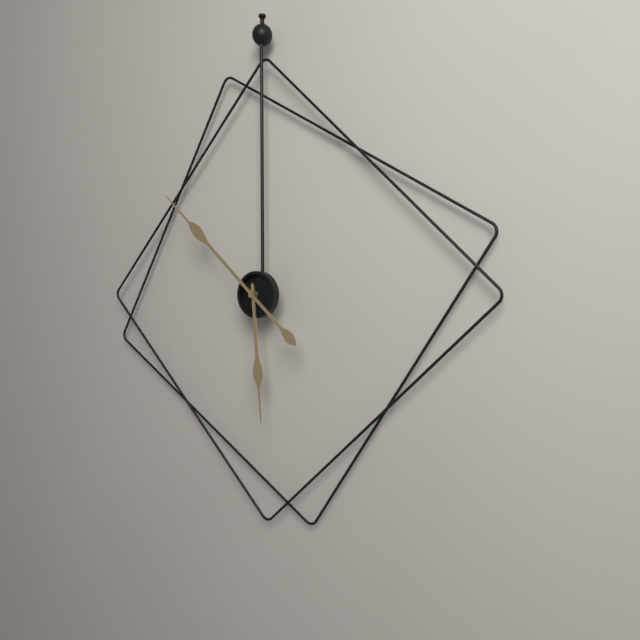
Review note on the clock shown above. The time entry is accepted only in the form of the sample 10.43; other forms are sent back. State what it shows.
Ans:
5.52
